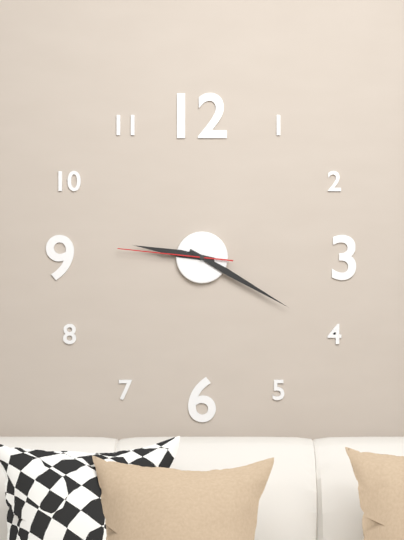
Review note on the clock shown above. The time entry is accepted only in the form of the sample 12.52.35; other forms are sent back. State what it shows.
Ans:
9.20.46
